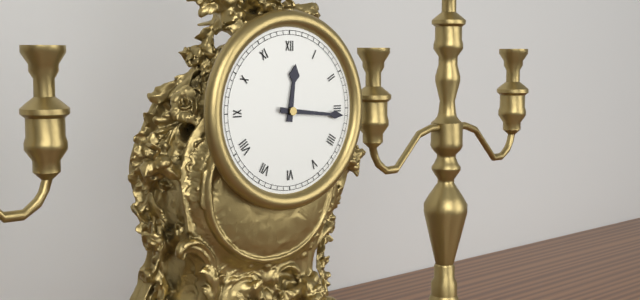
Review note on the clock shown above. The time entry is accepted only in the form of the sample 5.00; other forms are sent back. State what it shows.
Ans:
12.16
